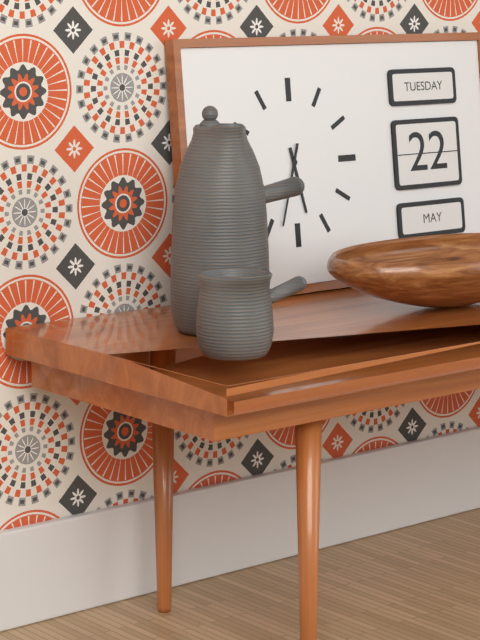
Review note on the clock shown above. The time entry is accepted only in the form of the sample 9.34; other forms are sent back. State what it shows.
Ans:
5.33
